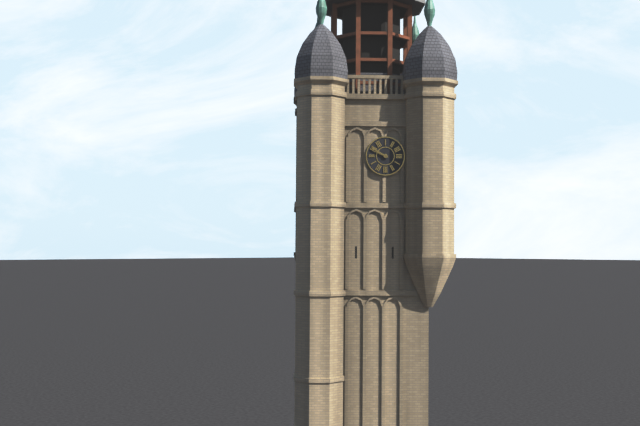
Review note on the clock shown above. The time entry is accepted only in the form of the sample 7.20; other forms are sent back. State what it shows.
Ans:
9.50
